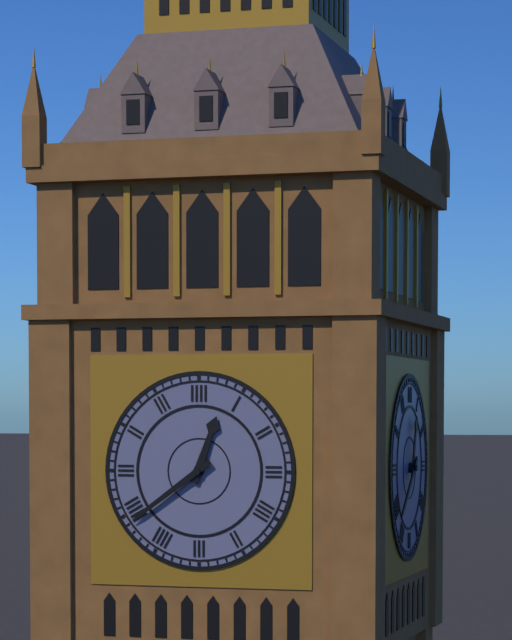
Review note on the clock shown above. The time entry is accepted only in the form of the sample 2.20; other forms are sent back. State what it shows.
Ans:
12.39
